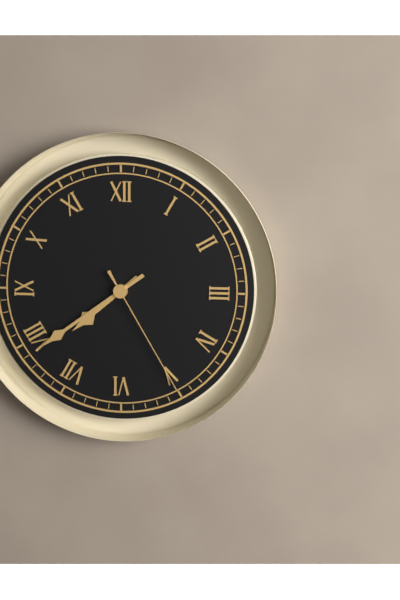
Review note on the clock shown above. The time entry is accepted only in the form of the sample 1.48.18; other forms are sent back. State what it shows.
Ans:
7.39.25
